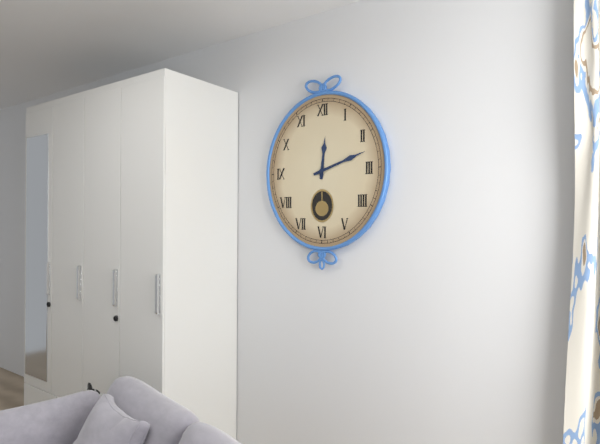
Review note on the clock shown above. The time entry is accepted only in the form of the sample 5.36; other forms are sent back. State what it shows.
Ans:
12.12
